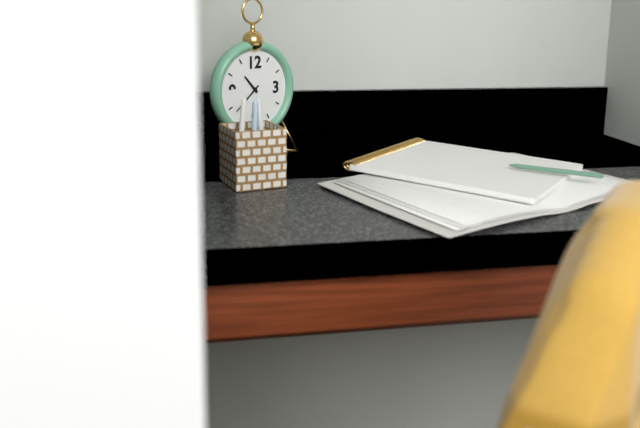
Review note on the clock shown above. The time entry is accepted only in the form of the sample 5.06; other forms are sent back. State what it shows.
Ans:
10.38
